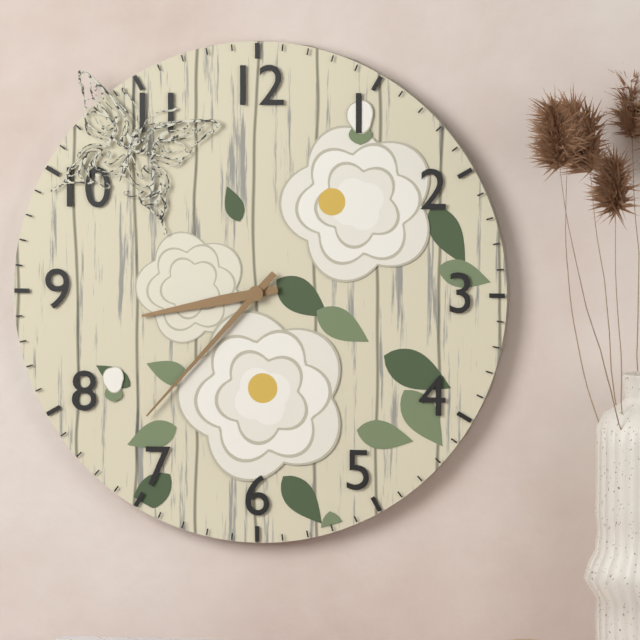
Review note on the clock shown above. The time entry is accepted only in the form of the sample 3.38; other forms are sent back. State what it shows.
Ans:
8.37
